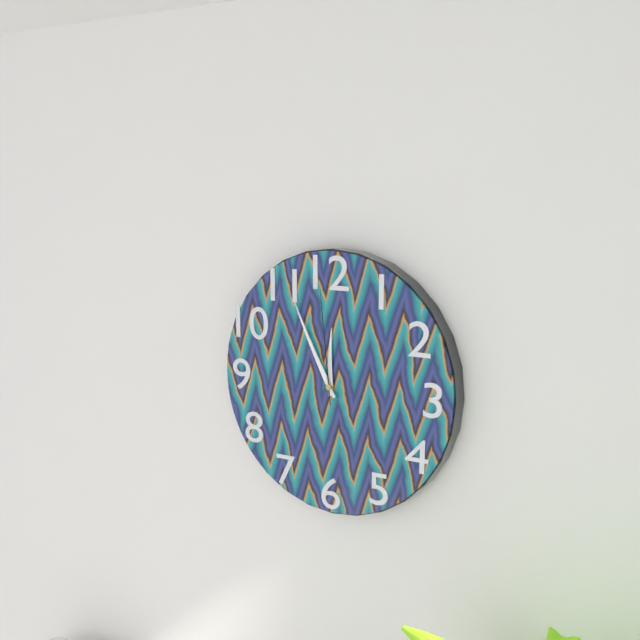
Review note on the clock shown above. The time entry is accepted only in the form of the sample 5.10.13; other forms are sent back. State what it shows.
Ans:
11.55.59
